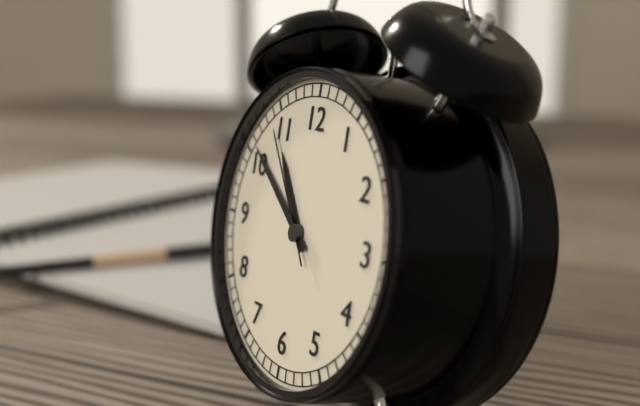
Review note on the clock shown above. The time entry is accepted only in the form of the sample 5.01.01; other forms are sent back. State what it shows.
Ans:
10.51.54
